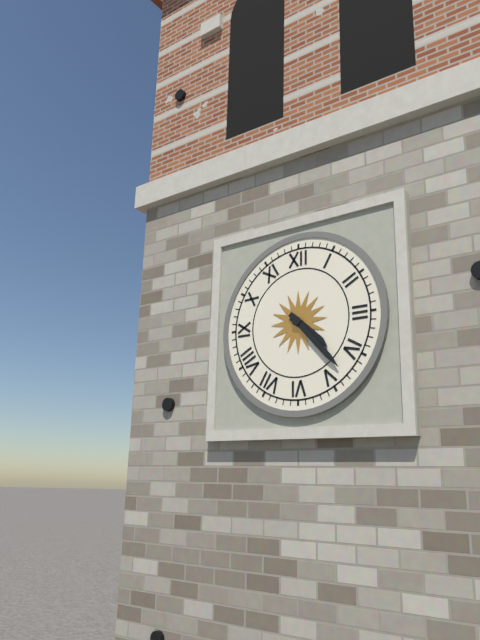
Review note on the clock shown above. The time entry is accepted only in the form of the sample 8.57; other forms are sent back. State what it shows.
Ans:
4.23
